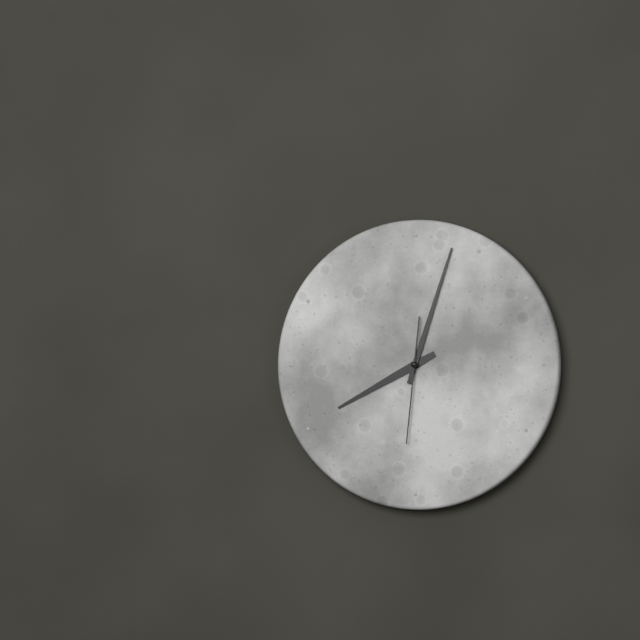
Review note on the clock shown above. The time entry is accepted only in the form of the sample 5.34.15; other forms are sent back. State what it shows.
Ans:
8.03.31
